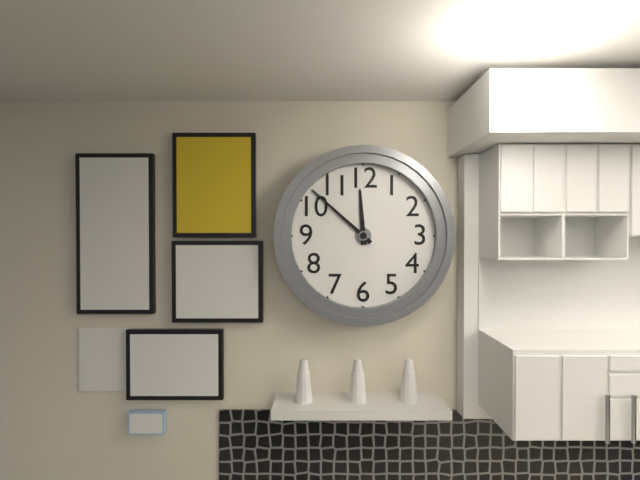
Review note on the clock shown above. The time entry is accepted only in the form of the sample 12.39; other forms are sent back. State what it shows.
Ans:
11.52
